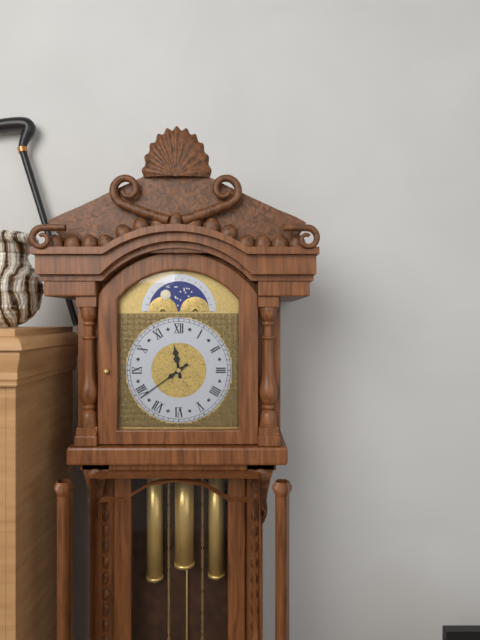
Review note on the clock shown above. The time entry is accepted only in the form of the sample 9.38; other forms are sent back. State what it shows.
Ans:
11.39
